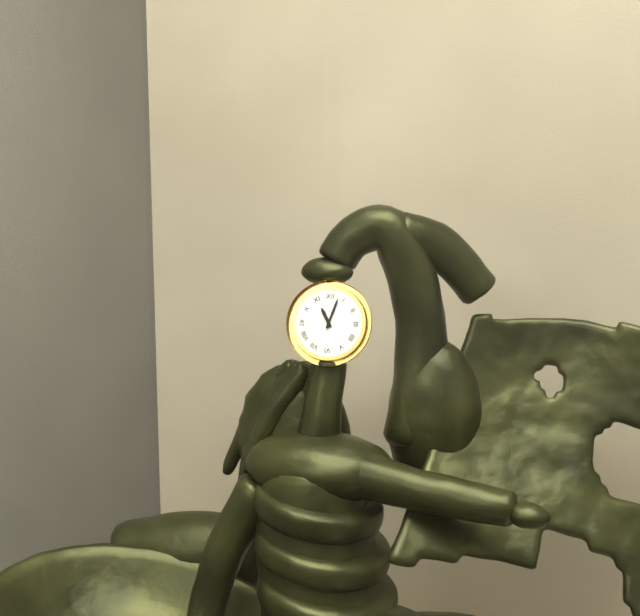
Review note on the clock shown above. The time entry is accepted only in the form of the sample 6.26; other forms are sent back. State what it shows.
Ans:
11.03
